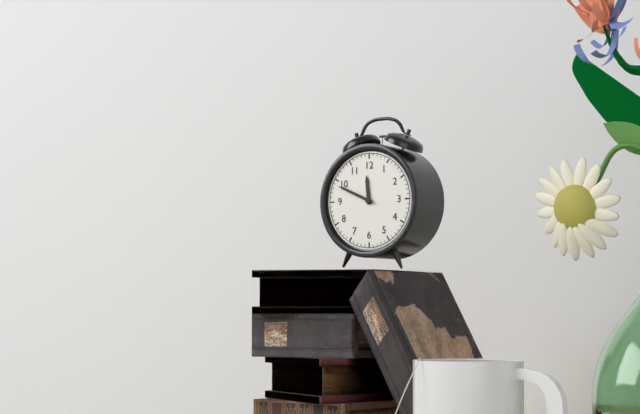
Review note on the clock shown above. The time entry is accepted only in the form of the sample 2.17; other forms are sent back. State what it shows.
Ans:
11.49
